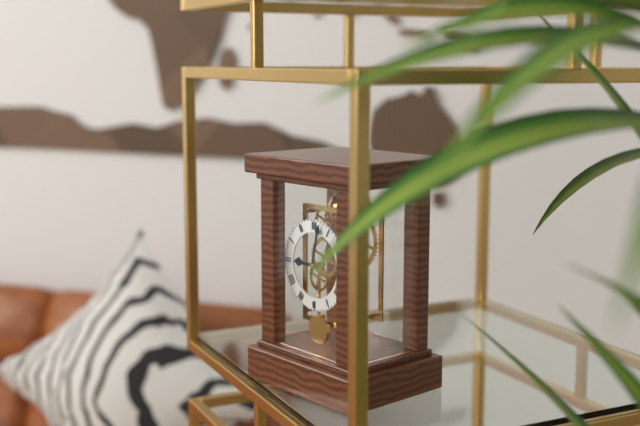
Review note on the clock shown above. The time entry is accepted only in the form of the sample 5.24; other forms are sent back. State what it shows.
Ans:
9.02
